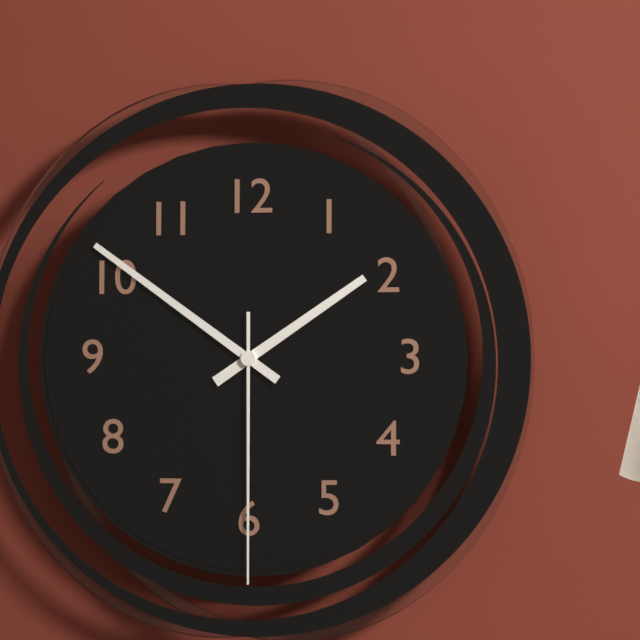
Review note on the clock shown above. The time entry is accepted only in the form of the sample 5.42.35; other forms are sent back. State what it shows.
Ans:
1.51.30
